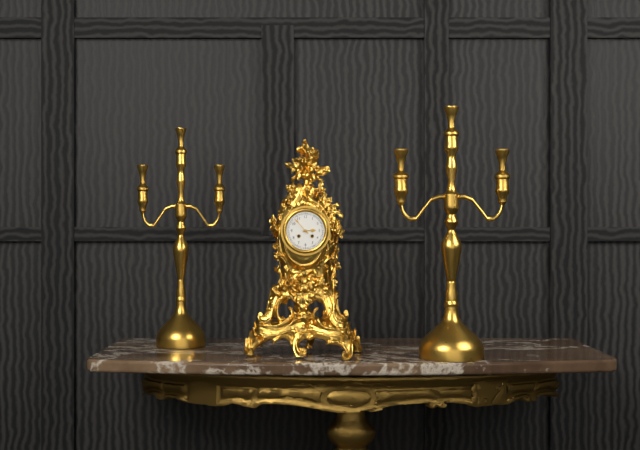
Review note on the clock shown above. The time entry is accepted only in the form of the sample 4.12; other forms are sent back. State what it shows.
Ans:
2.53
